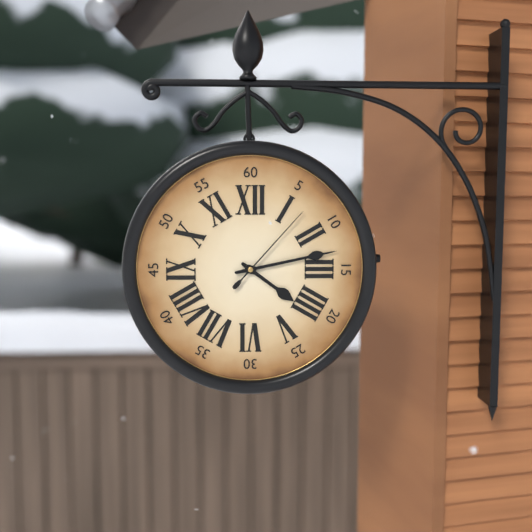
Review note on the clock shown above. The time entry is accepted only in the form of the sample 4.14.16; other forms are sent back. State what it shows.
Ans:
4.13.07
